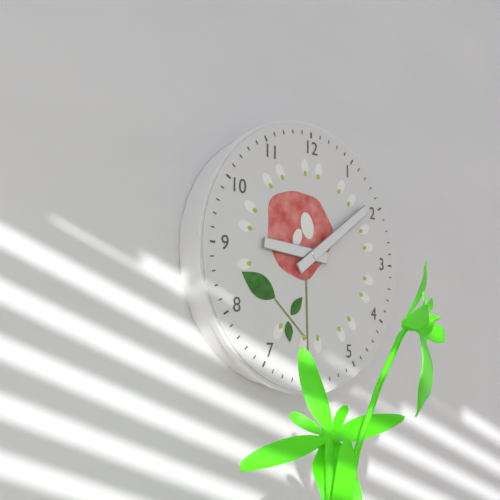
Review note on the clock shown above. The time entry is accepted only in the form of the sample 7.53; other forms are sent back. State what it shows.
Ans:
9.09
